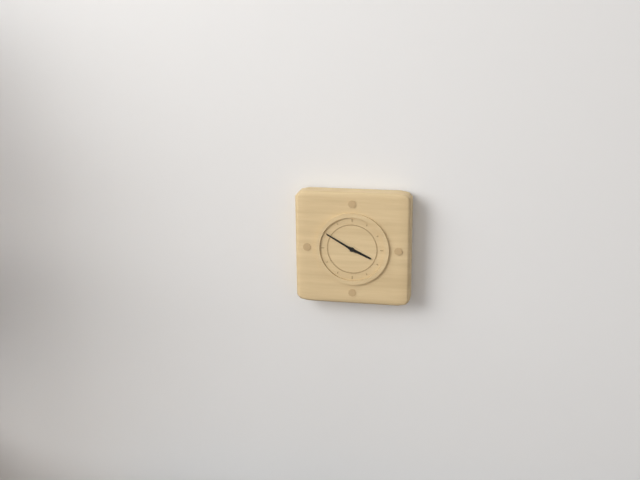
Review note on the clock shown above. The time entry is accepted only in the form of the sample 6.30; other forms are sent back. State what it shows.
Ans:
3.50
